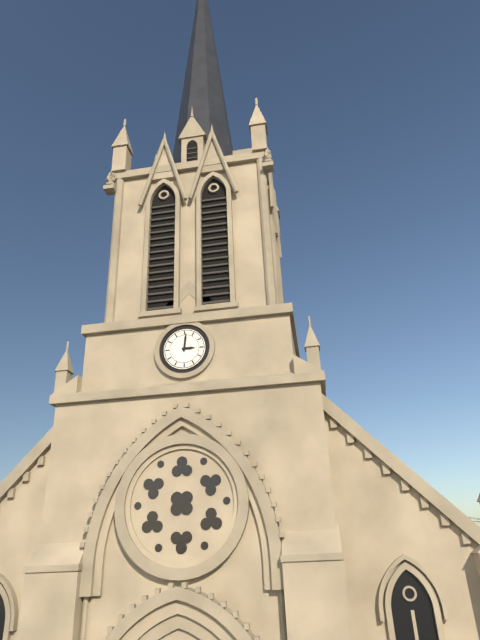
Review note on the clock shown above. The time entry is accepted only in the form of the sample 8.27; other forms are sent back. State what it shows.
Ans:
3.01
